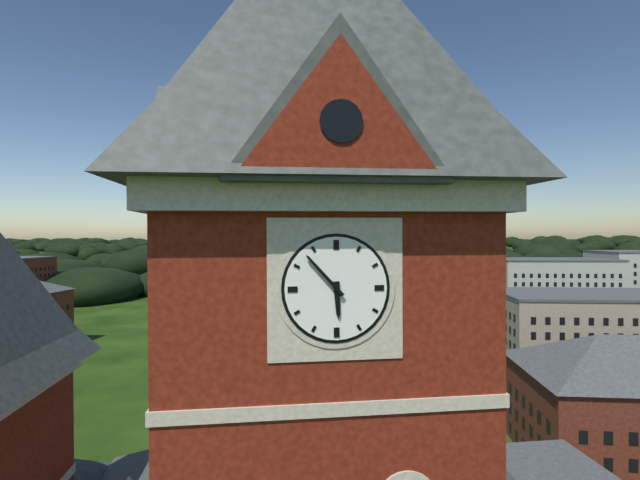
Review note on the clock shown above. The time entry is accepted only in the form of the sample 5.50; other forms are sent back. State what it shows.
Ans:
5.53
